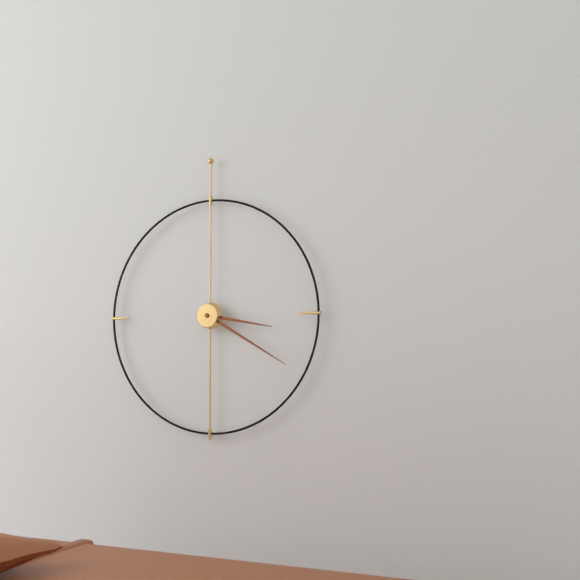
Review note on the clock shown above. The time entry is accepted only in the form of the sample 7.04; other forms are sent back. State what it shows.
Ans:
3.20
